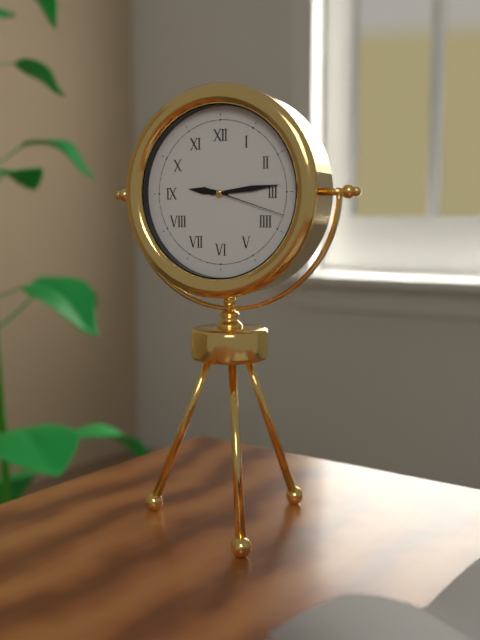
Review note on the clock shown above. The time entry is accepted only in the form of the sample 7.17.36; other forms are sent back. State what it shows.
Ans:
9.14.18
